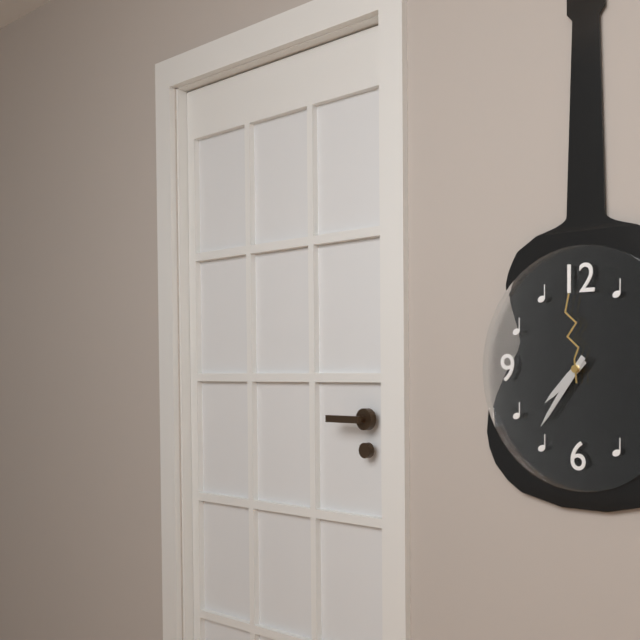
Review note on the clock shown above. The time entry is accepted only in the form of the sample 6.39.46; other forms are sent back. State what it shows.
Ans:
7.36.59
